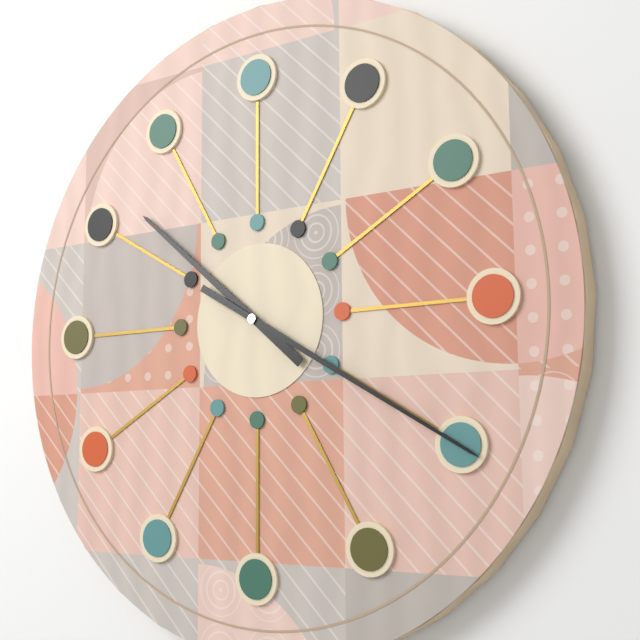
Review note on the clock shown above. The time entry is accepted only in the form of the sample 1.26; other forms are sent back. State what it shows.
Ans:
10.20
